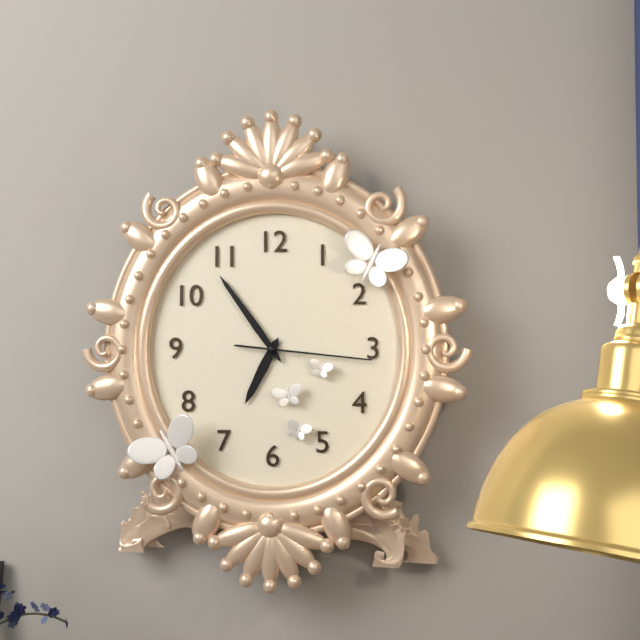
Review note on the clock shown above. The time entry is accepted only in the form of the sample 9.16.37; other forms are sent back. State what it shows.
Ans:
6.54.16
